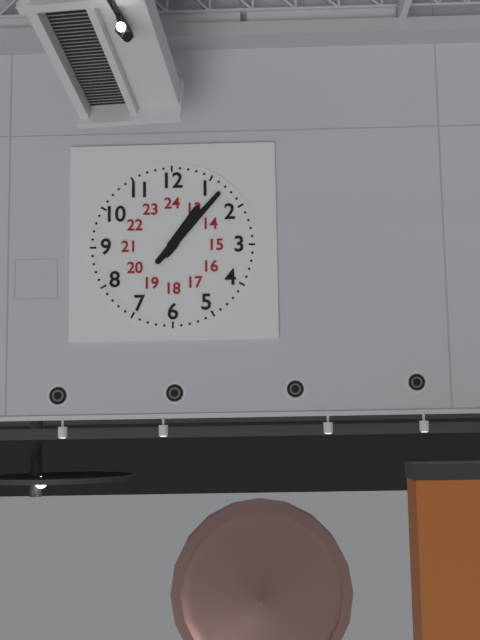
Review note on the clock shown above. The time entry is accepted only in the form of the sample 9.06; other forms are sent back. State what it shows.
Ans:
1.07
